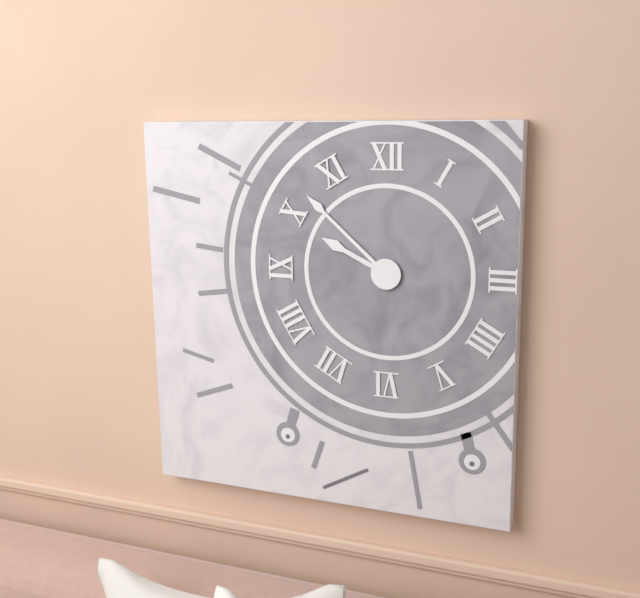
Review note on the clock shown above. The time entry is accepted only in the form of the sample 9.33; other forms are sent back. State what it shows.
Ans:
9.52
